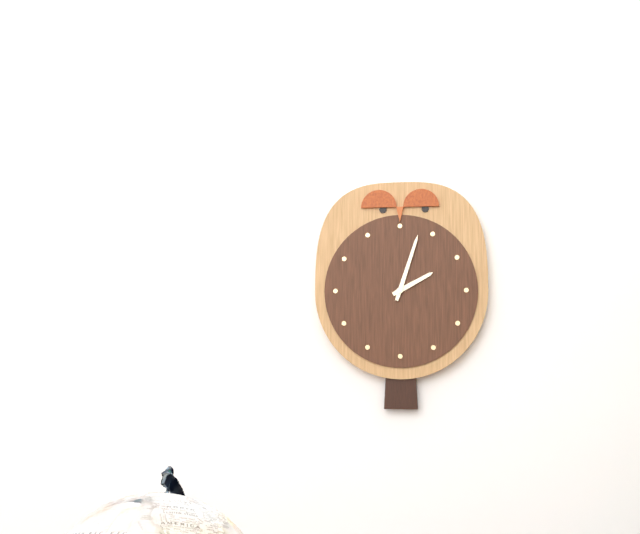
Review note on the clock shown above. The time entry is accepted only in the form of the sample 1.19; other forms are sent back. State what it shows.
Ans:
2.03
